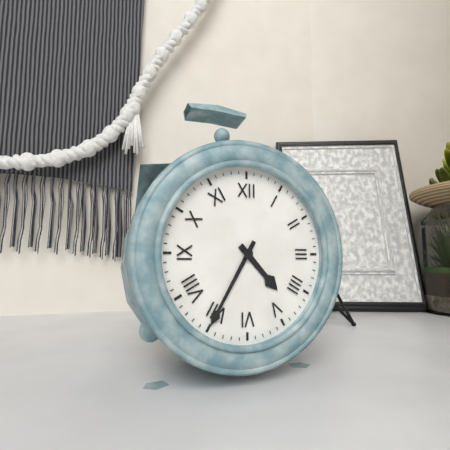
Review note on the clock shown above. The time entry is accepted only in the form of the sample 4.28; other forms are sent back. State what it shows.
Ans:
4.35
